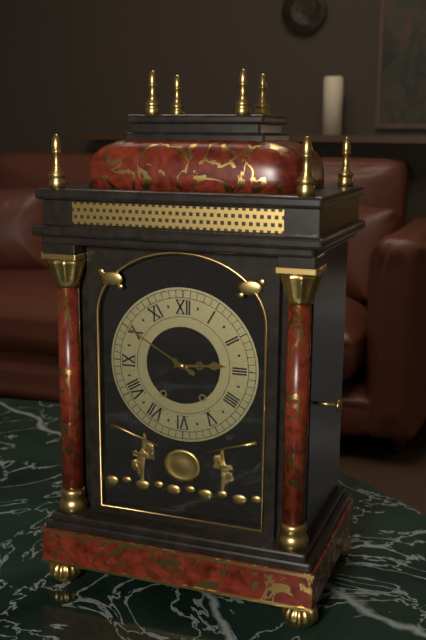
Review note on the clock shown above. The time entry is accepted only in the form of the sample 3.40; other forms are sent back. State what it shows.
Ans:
2.50
